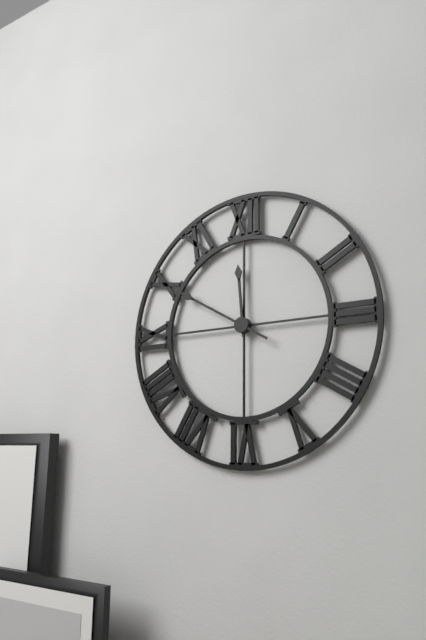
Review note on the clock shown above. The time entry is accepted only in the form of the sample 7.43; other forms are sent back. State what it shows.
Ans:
11.50
